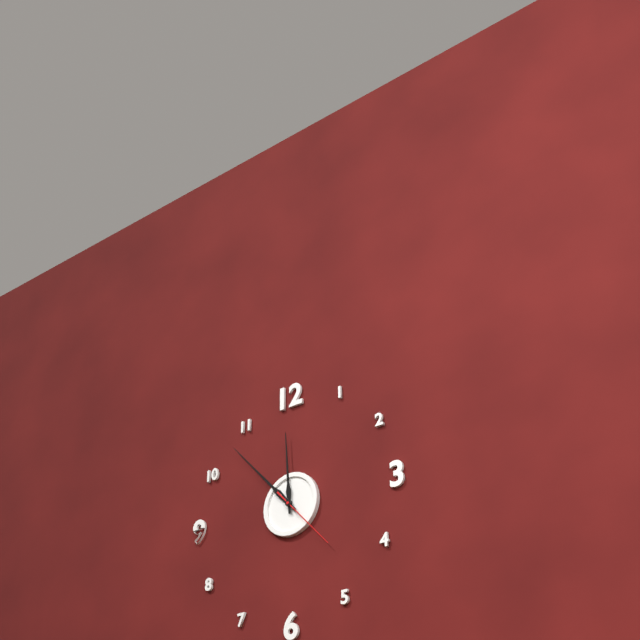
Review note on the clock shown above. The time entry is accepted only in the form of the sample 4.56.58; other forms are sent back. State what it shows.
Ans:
11.53.23
